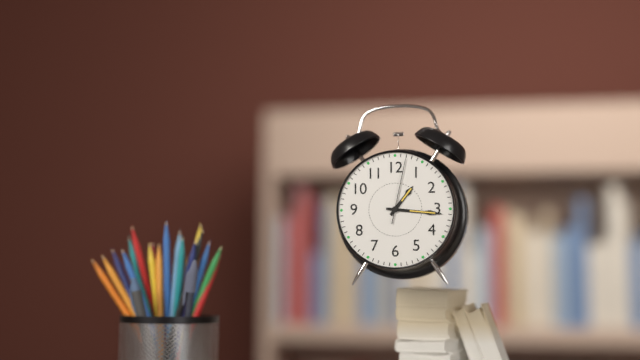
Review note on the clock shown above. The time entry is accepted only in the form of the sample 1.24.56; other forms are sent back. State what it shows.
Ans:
1.16.02
